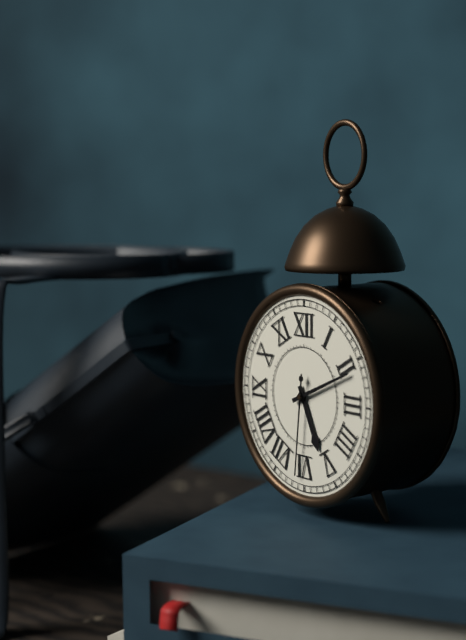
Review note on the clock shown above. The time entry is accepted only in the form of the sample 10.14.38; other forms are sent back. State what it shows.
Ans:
5.11.31
